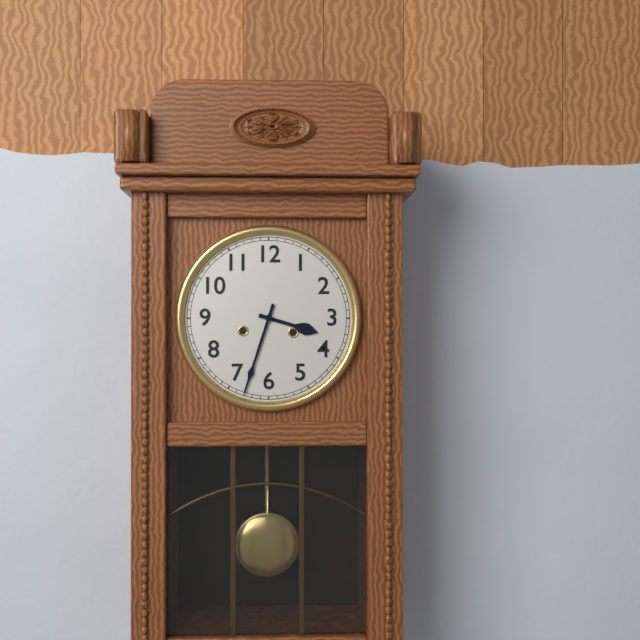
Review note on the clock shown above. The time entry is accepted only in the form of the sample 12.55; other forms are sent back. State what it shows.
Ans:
3.33
